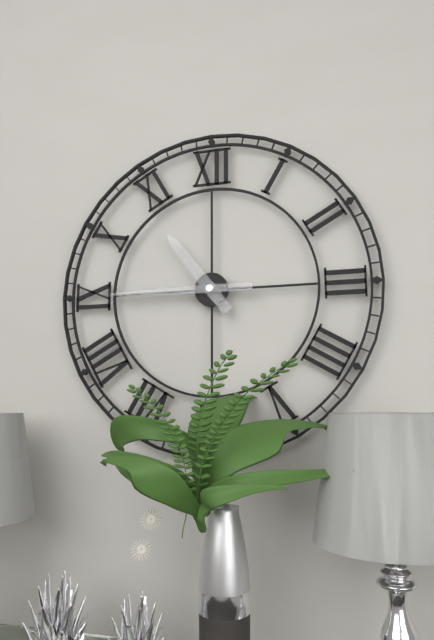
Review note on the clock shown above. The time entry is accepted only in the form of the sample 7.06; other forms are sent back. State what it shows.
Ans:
10.45
